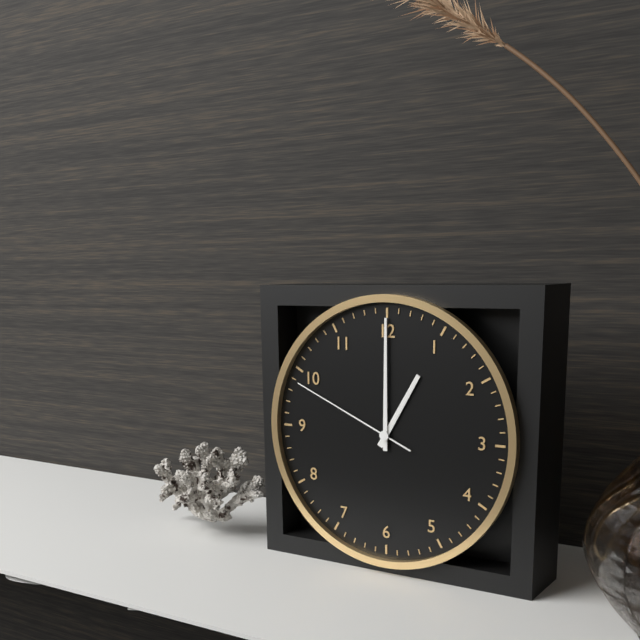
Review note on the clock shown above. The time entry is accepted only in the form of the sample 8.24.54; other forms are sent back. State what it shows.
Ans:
1.00.49
